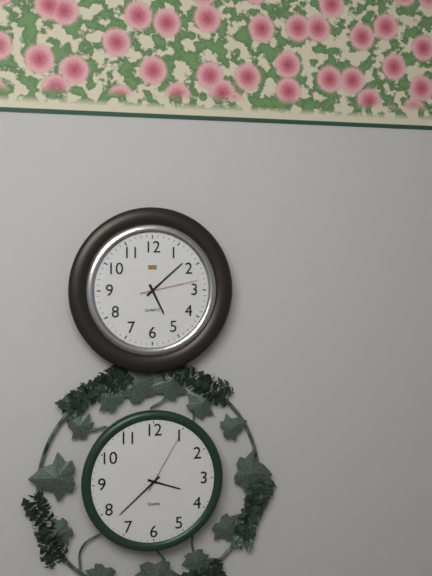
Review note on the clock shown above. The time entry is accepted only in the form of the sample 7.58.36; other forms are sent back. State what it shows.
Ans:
5.08.13
